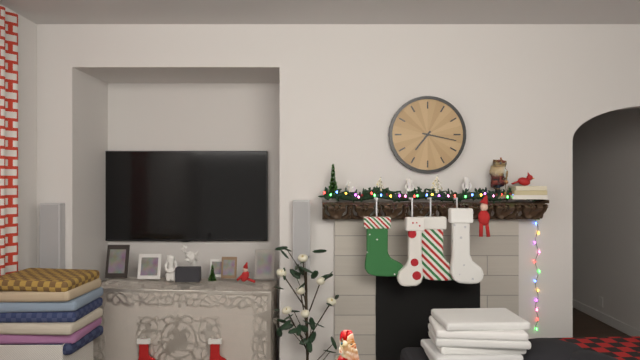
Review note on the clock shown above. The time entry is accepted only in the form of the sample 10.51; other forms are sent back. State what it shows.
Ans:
7.17
